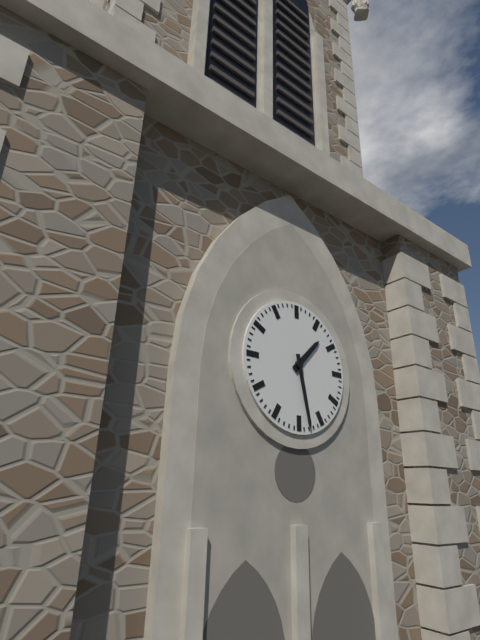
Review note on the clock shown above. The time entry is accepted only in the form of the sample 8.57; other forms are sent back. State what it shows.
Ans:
1.28
